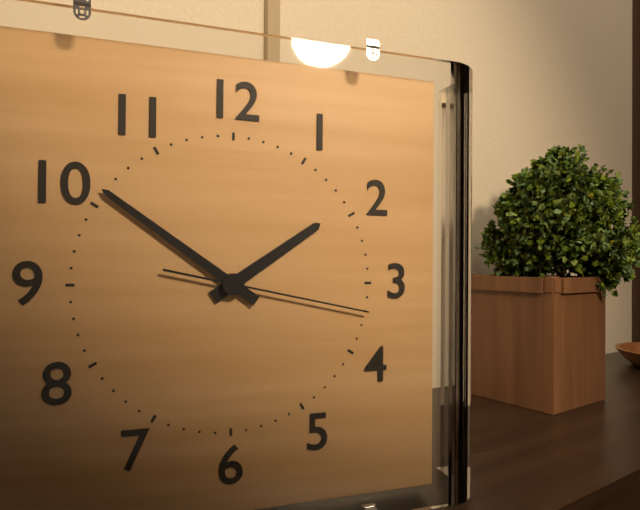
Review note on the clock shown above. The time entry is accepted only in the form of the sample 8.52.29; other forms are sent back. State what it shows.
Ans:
1.51.17
